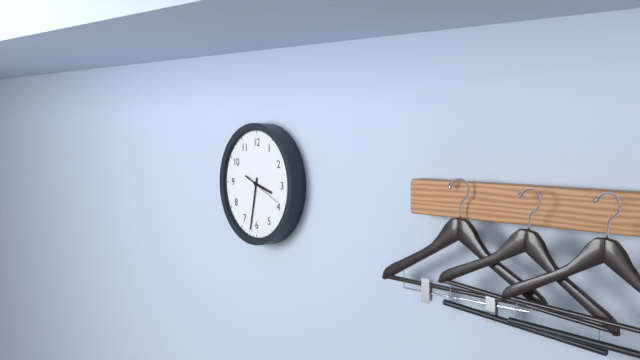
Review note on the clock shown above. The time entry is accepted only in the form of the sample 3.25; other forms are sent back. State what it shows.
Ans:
3.32
